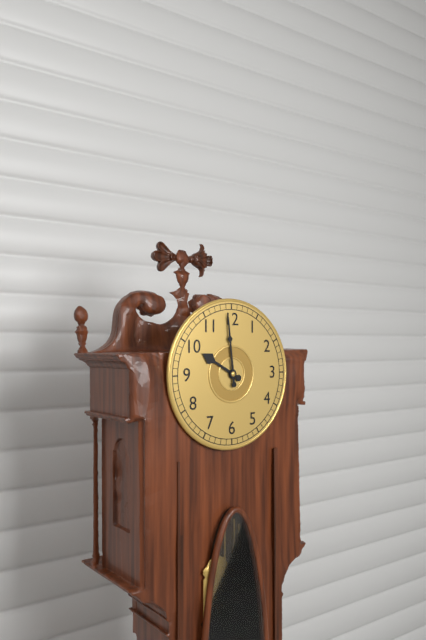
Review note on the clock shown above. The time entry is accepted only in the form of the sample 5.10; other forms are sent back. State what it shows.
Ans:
9.59
